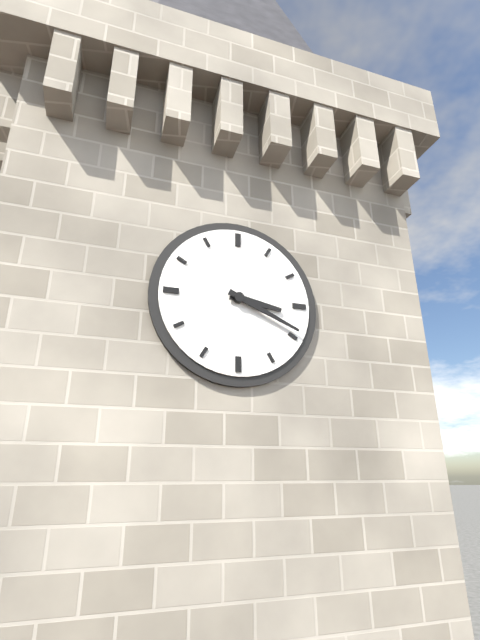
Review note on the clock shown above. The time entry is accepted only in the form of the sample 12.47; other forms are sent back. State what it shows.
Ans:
3.19
